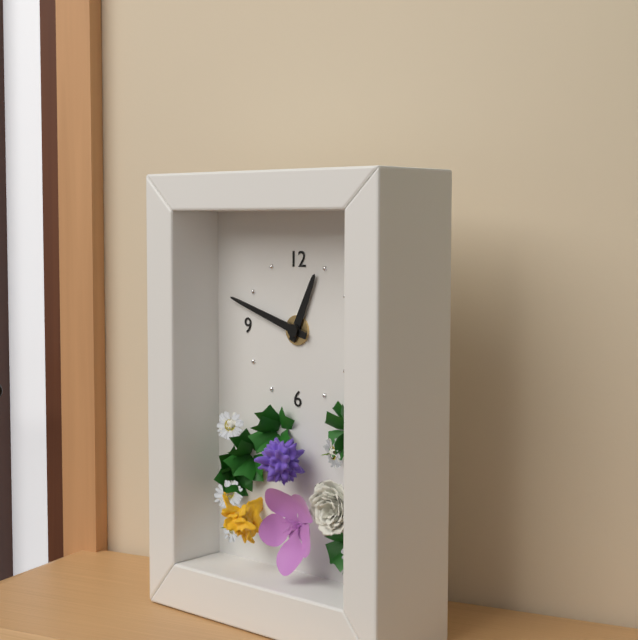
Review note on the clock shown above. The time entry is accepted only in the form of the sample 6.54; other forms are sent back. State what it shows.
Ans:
12.48
